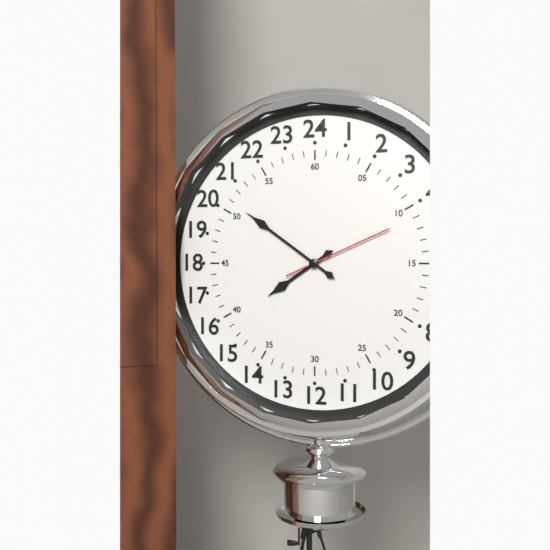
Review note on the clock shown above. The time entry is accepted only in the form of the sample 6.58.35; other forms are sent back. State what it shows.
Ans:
7.51.11
